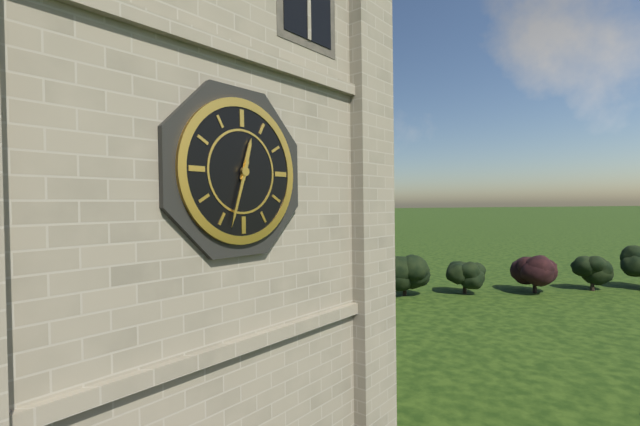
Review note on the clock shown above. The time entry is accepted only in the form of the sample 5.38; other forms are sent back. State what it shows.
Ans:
12.33
